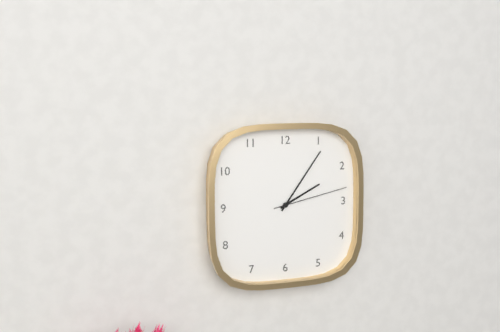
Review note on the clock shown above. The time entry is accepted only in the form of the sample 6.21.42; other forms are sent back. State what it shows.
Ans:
2.06.13
